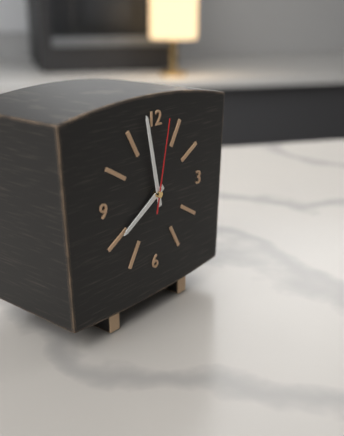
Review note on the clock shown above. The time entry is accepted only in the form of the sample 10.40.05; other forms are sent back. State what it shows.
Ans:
7.58.02
